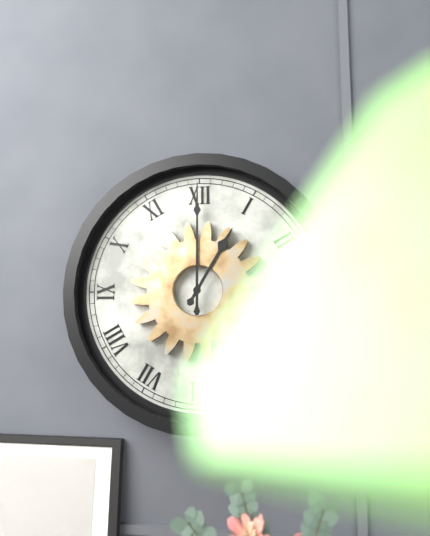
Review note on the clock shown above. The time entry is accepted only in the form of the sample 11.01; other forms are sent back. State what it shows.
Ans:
1.00
